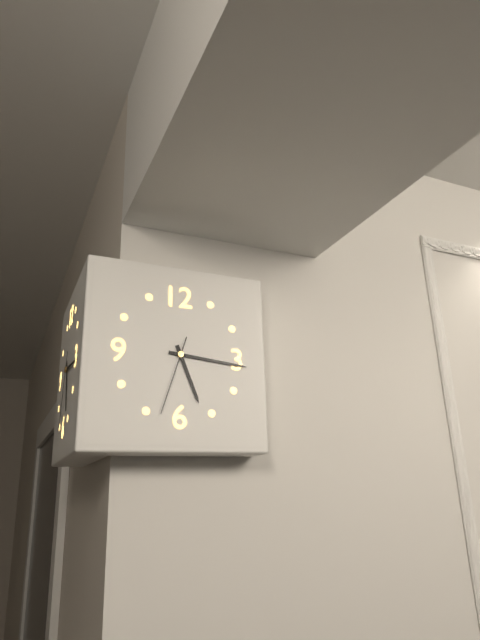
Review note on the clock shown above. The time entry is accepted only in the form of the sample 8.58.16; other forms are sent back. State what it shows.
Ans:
5.16.33
